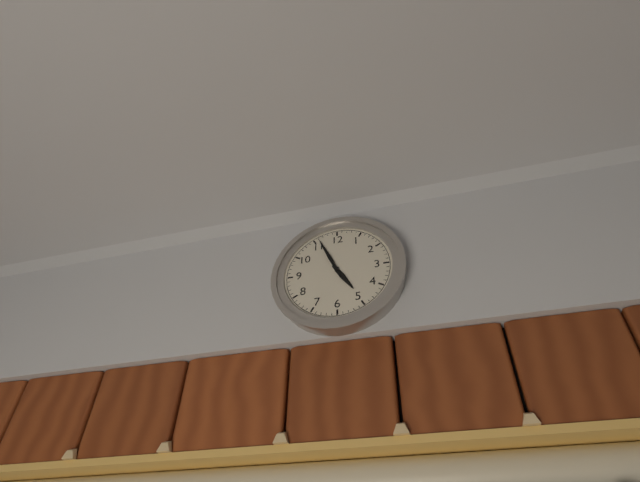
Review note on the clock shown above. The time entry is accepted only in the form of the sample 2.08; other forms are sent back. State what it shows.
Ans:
4.56
